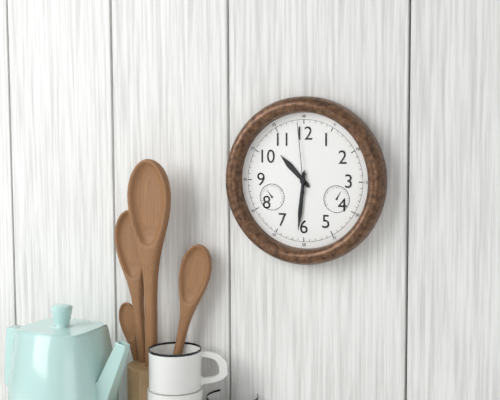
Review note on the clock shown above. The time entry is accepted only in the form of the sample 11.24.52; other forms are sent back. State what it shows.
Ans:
10.31.59
